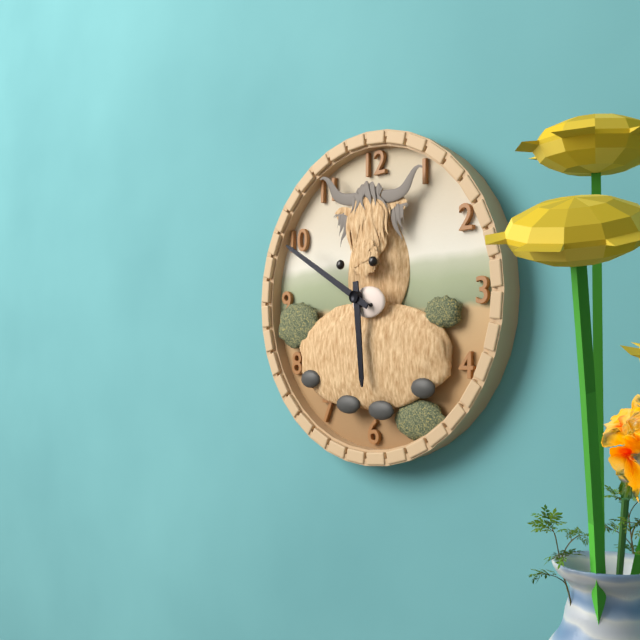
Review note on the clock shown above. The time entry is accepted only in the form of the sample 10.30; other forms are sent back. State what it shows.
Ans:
5.50
